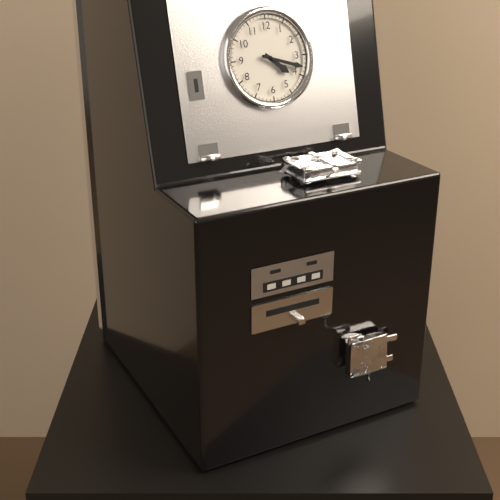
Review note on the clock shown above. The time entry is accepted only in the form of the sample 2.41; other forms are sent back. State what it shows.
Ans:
4.18
